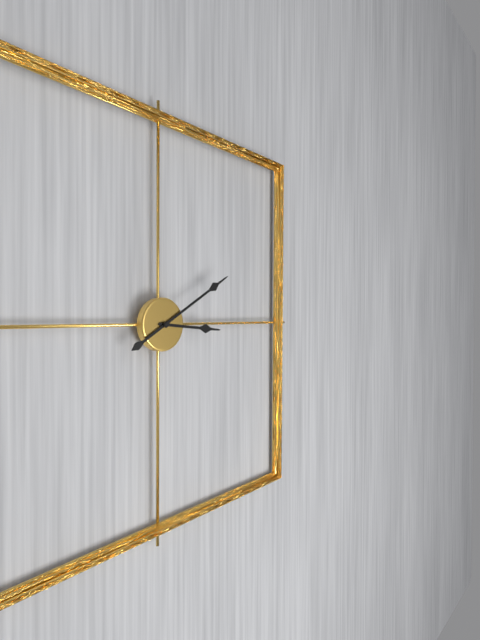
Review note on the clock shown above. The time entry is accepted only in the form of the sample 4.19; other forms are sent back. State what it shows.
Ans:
3.10
